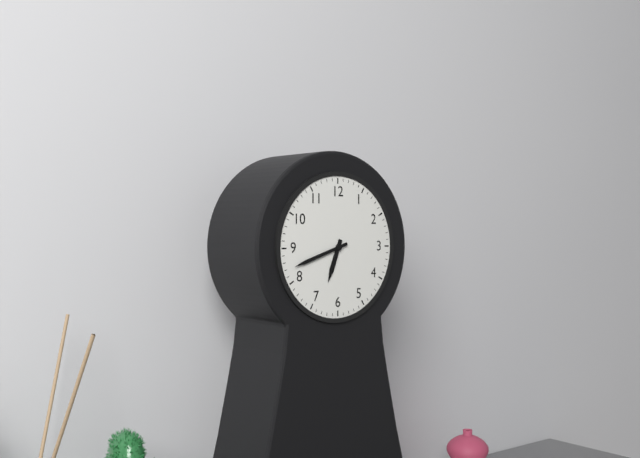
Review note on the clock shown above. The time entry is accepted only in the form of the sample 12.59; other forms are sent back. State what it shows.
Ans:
6.42
